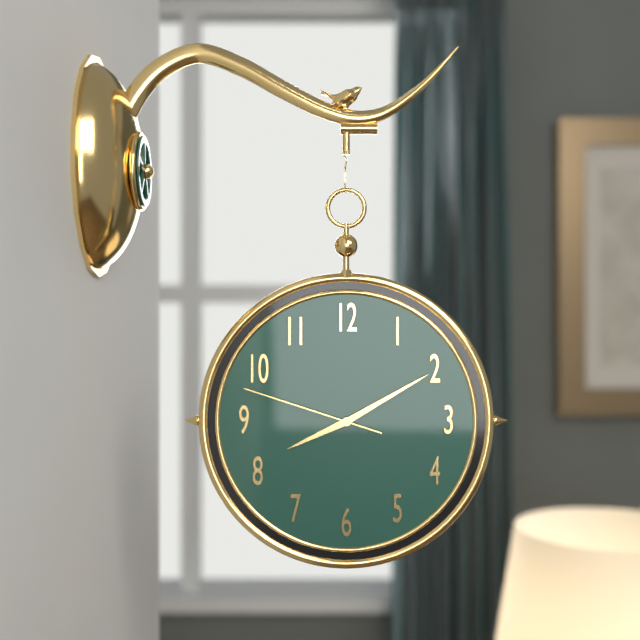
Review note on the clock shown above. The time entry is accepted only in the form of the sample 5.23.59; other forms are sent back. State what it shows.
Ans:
8.10.48
